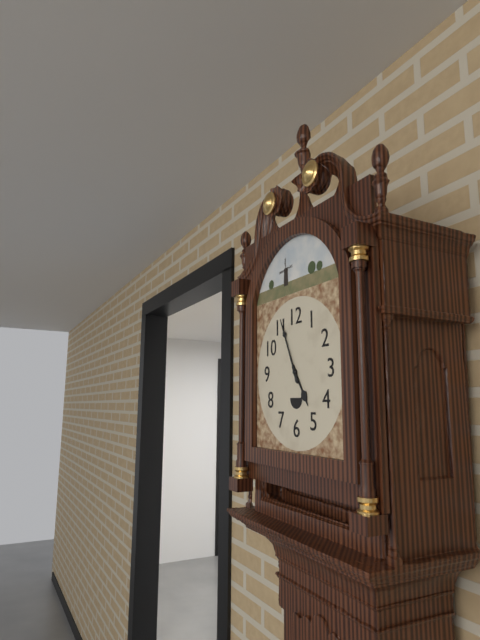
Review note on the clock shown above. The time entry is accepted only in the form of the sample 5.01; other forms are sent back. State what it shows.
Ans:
4.56
